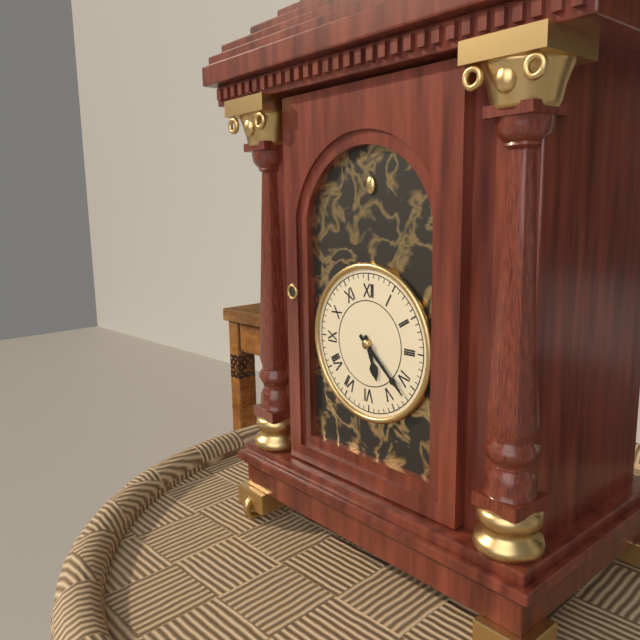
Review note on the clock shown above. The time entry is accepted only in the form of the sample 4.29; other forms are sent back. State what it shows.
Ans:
5.22
